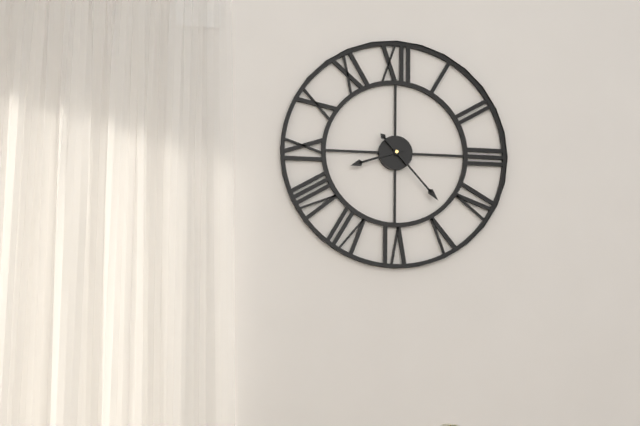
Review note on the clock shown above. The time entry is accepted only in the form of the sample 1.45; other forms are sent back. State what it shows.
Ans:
8.23
